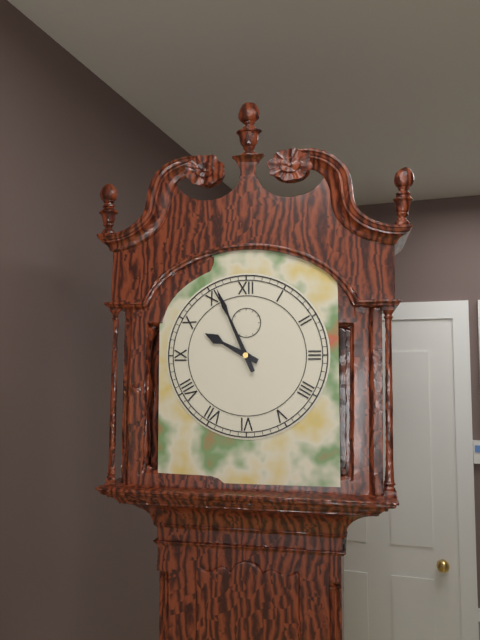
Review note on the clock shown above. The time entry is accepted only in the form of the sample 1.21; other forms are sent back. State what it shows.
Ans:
9.56
